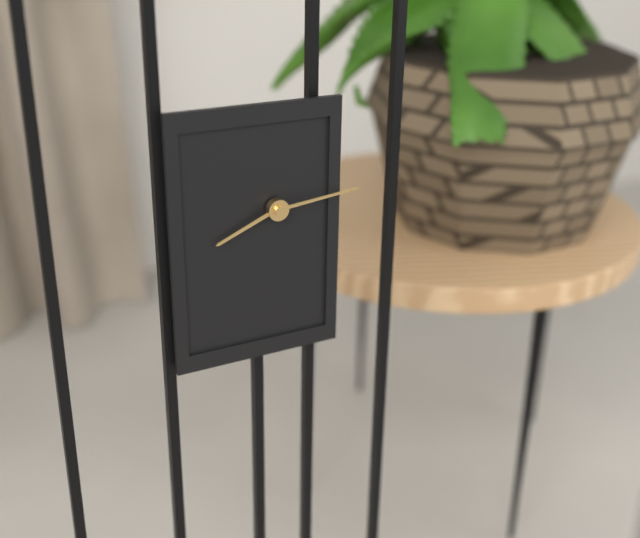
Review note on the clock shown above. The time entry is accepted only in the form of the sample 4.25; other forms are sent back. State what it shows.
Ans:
8.14
